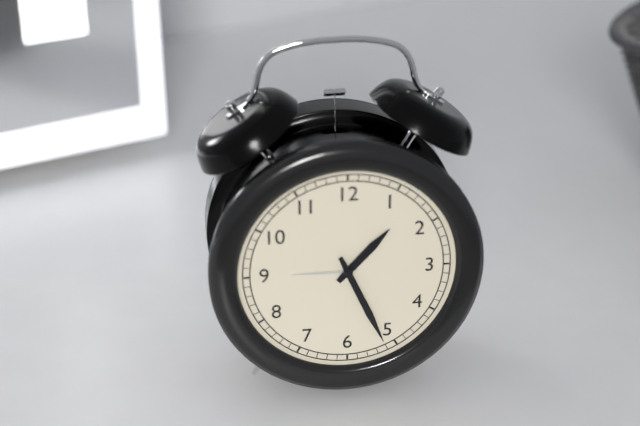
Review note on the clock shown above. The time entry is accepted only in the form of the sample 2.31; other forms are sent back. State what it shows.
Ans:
1.26
